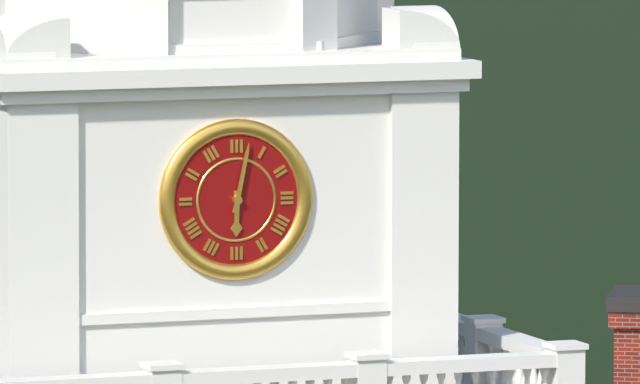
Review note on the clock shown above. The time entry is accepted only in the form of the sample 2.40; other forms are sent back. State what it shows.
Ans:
6.02
